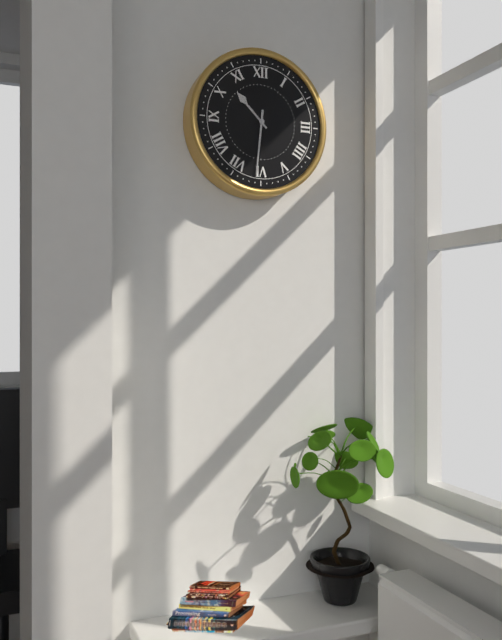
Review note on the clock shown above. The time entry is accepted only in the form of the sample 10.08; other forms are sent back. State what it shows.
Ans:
10.31
